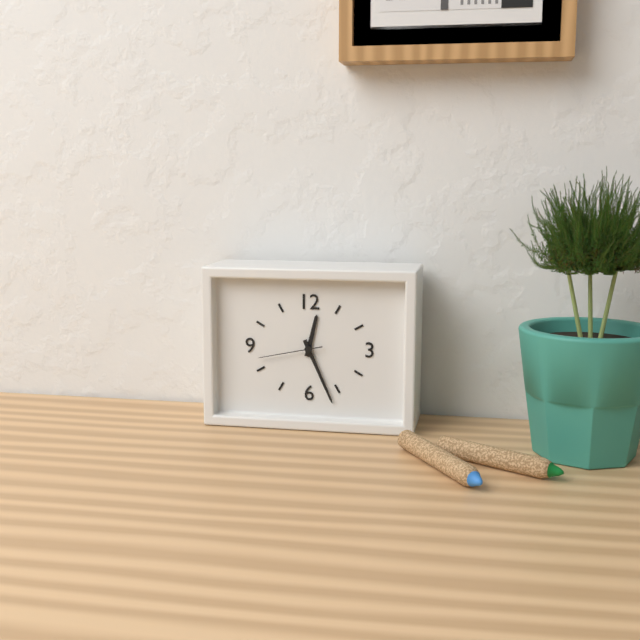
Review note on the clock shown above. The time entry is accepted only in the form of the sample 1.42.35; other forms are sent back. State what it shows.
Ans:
12.26.43
